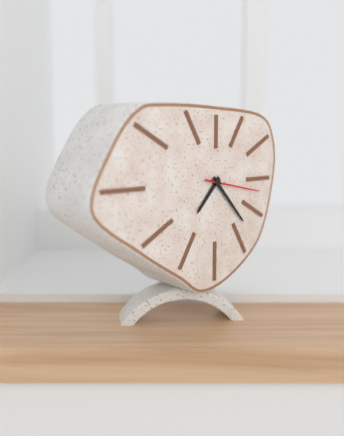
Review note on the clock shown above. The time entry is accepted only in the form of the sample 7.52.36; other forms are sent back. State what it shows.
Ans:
7.23.17
